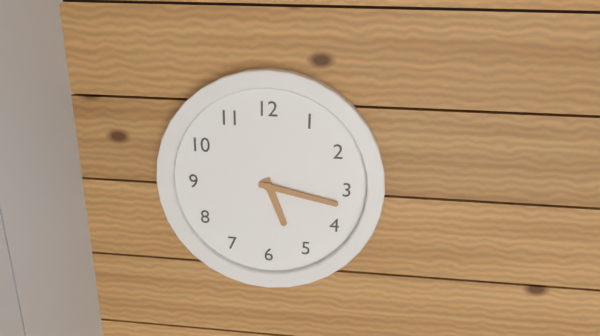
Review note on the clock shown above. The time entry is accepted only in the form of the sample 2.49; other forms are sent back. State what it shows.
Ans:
5.17
